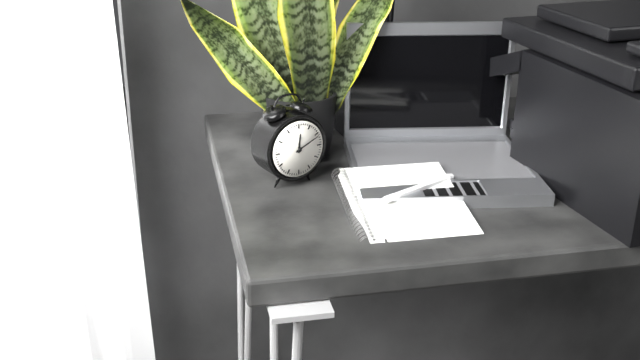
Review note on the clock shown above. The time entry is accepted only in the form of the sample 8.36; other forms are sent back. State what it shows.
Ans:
12.11
